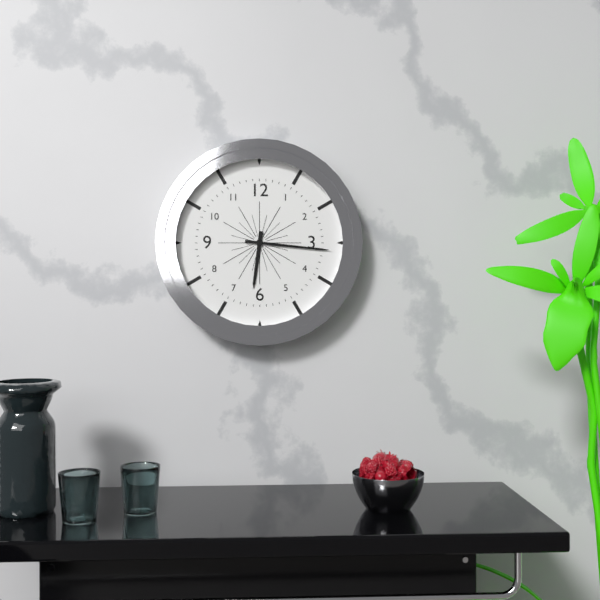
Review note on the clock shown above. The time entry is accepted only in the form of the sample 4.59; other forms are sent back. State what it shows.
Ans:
6.16
